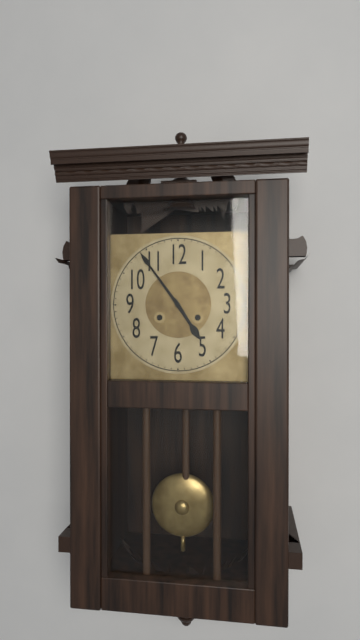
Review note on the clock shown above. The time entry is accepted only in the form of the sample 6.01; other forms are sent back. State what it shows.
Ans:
4.54
